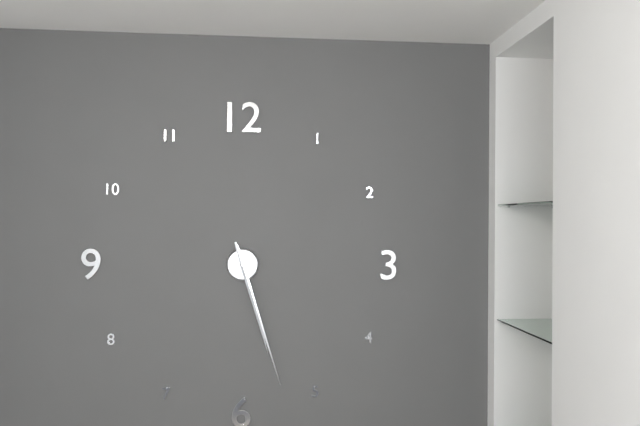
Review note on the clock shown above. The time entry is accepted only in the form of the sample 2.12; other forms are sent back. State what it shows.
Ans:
5.27
